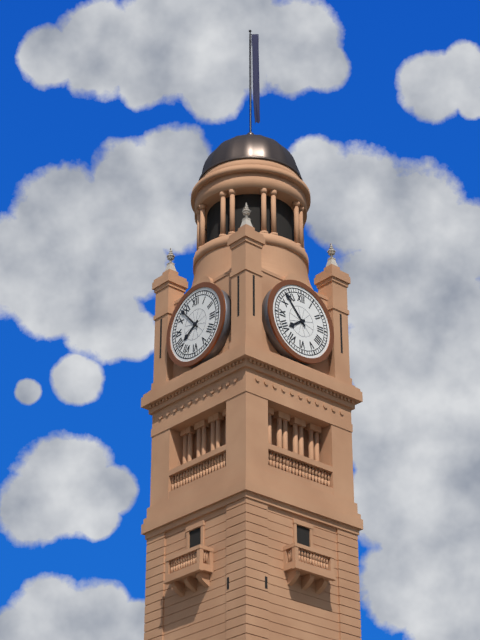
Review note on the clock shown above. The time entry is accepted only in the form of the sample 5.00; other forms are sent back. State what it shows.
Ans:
7.53
